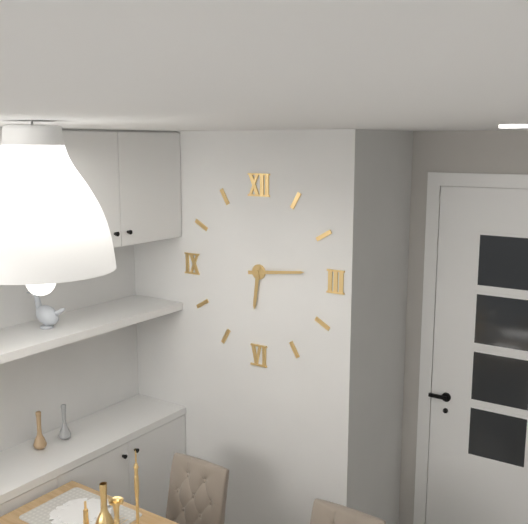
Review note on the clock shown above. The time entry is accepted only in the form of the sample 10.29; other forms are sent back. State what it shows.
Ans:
6.14
